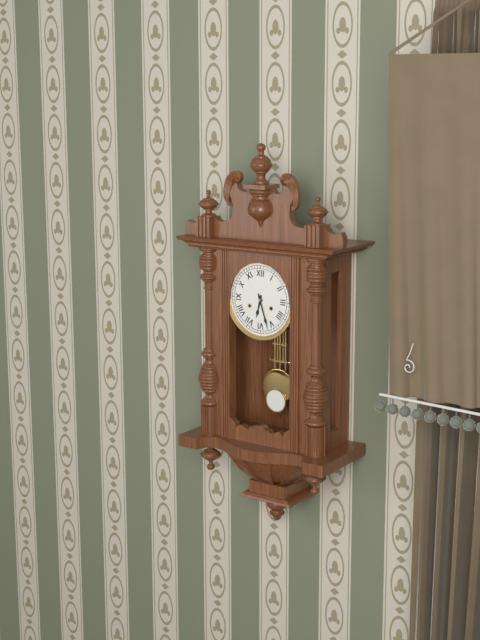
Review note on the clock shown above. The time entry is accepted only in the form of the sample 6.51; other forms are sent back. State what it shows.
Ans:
6.27
